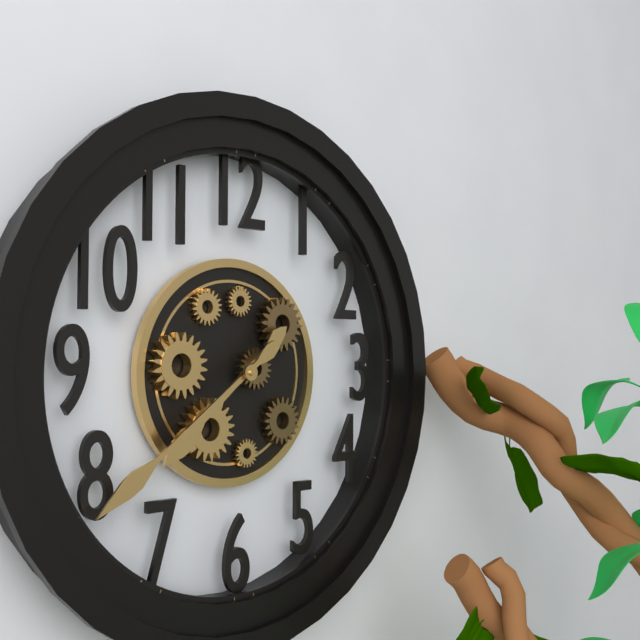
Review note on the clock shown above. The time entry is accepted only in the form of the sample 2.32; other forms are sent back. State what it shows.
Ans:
7.39
